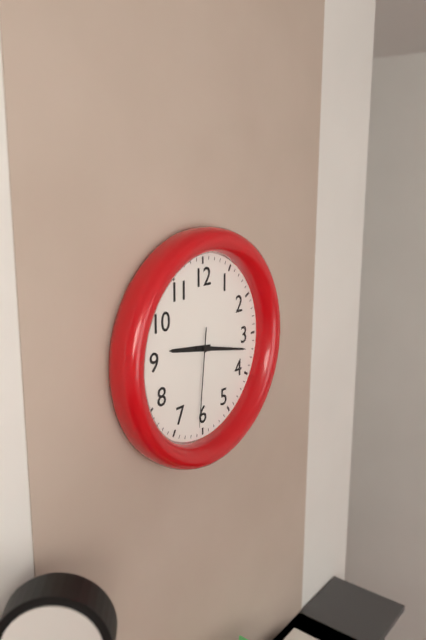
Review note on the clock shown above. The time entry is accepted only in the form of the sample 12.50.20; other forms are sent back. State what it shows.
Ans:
9.17.31
